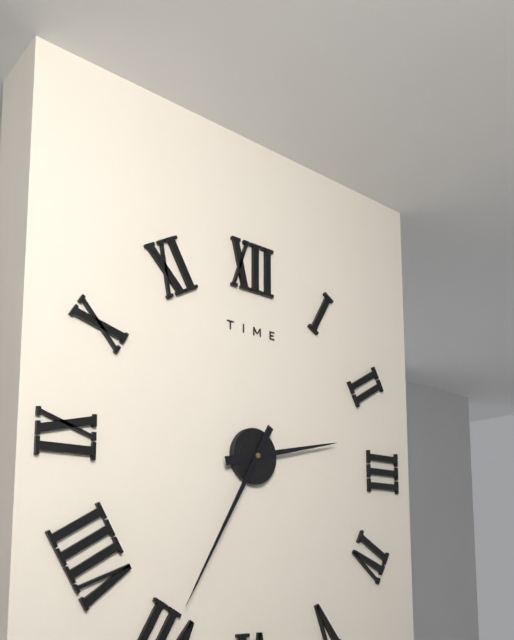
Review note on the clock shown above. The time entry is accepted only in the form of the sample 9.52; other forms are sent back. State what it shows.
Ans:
2.35
